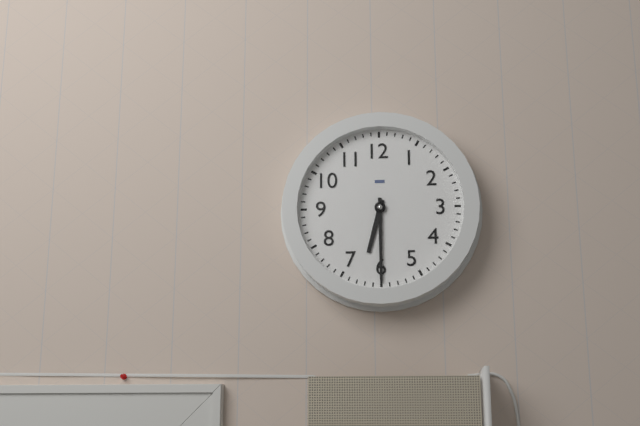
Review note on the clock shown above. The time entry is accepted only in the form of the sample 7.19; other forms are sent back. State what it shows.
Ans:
6.30
